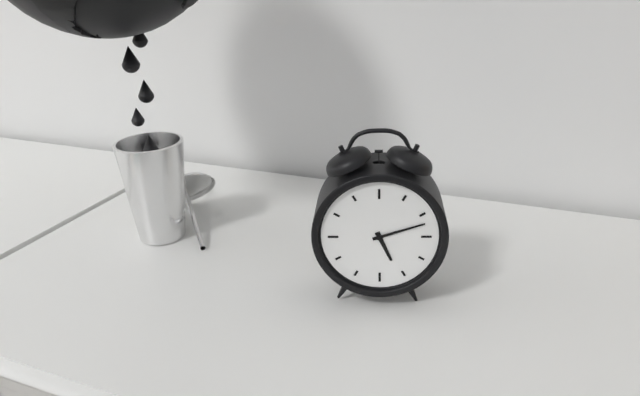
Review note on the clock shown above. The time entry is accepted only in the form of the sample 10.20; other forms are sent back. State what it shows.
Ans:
5.12
